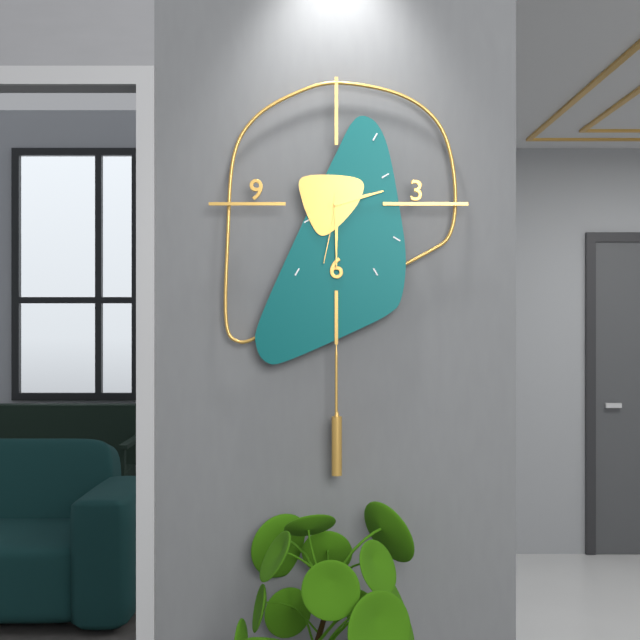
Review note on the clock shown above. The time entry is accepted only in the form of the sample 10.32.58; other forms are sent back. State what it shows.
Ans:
2.30.32
